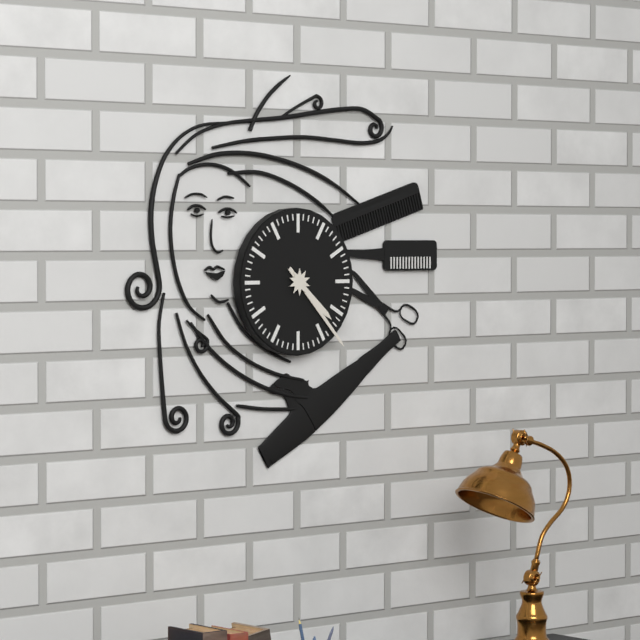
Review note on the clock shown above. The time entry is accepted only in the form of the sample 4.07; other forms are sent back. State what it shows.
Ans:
4.23
